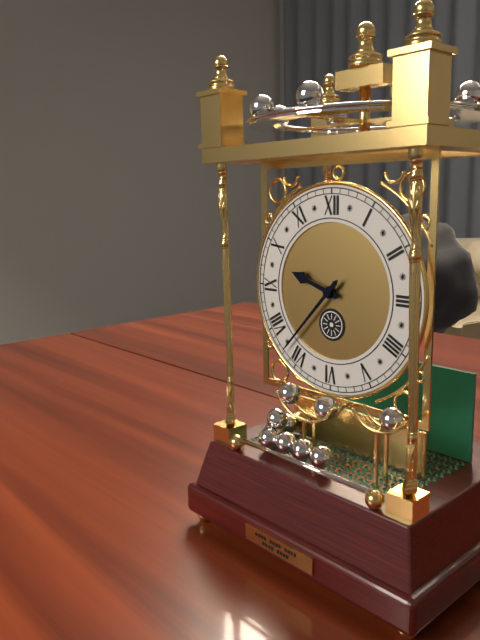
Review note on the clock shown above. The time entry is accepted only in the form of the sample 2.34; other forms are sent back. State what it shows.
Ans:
9.37
